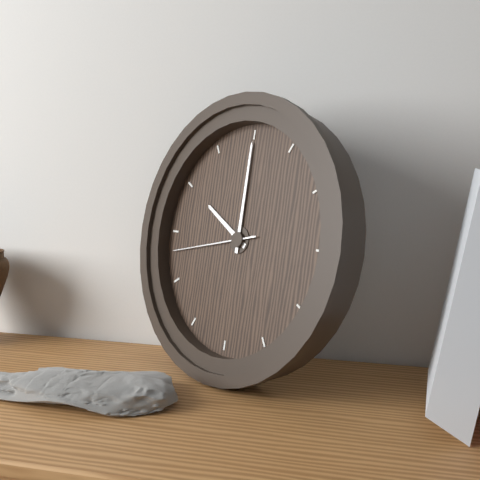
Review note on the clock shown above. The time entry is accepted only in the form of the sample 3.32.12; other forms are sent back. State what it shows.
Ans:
10.00.43
